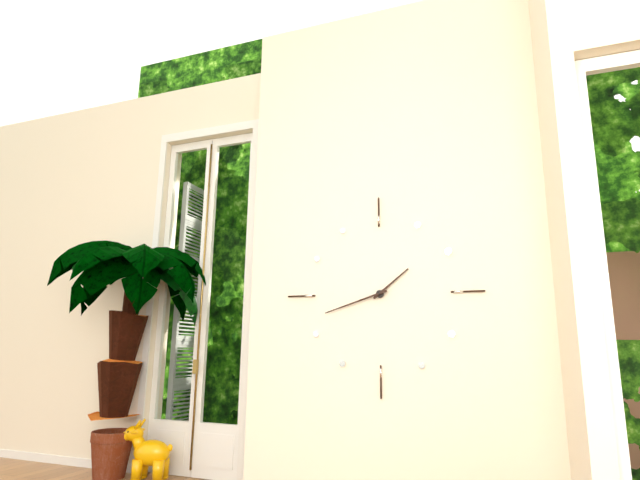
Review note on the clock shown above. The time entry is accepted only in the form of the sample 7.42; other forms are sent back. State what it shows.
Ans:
1.42
